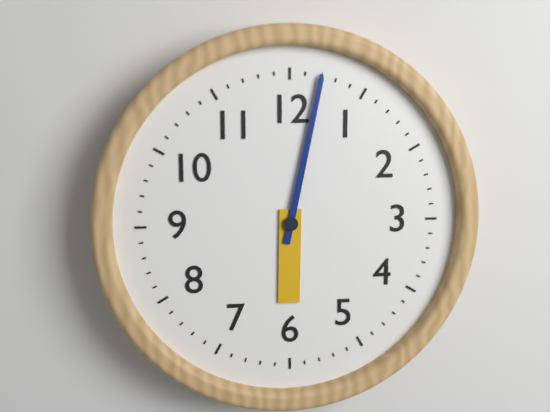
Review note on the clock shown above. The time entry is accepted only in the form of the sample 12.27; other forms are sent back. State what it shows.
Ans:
6.02
